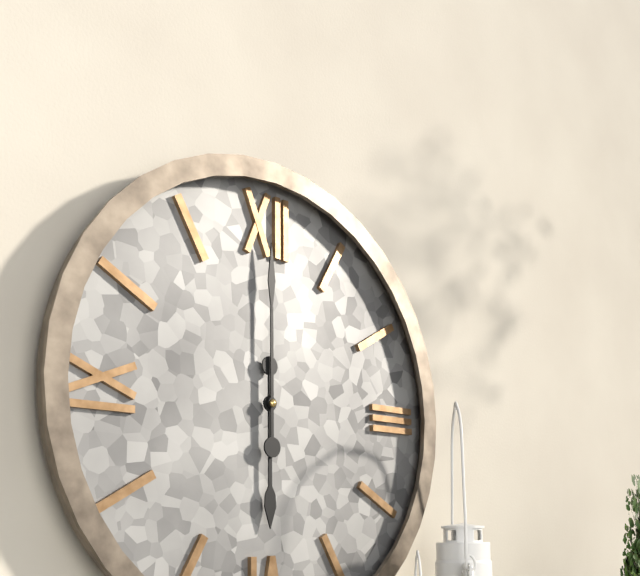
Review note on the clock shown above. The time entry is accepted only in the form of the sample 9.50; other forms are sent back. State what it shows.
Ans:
6.00
